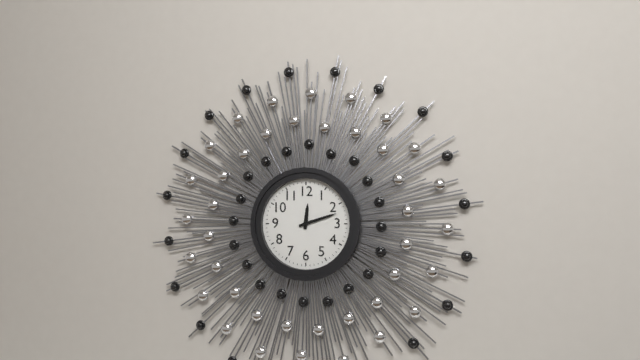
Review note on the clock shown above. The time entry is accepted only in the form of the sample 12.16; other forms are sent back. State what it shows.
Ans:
12.12
